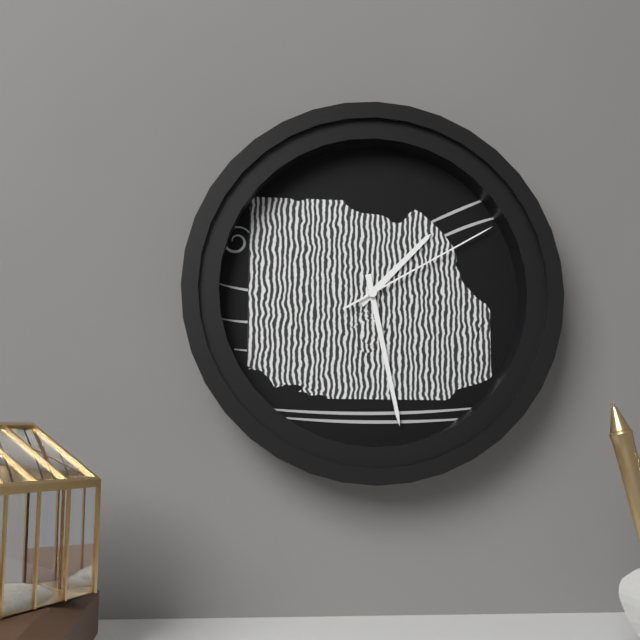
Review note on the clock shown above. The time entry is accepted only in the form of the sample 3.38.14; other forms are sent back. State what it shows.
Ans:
1.28.10
